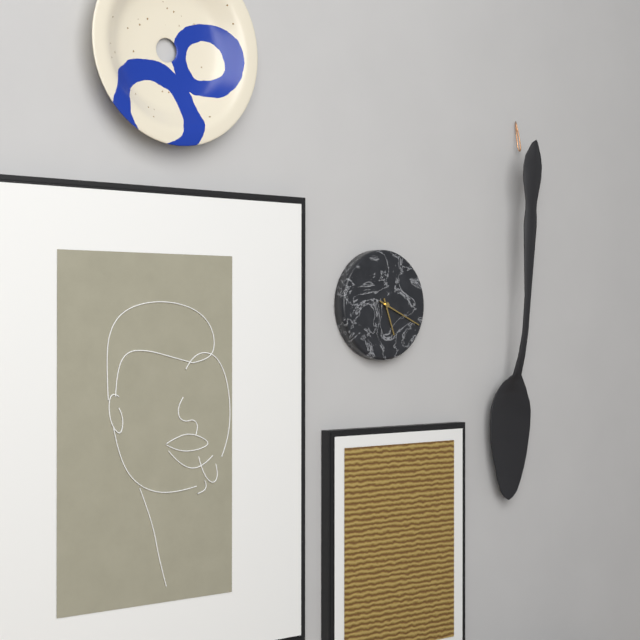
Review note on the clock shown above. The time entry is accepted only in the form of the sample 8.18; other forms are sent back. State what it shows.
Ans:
5.19
